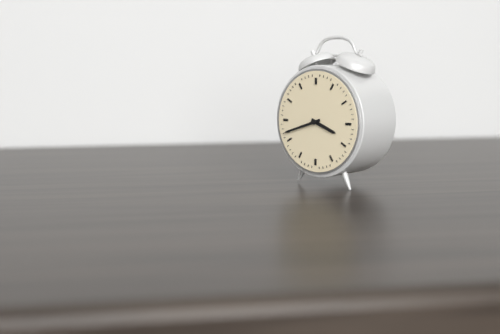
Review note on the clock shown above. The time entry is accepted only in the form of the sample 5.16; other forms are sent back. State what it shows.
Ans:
3.42
